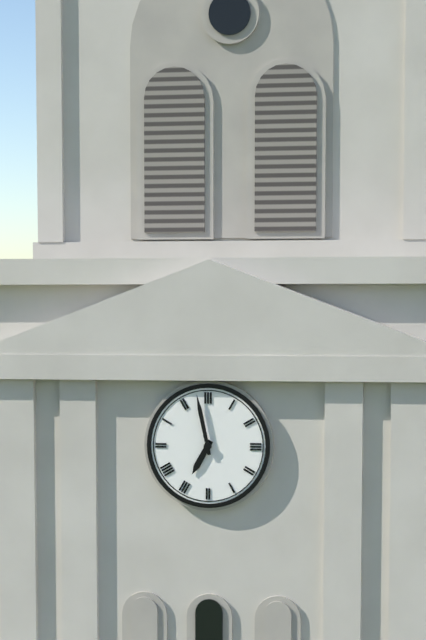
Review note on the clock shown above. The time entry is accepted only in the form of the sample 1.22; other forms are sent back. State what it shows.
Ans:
6.58
